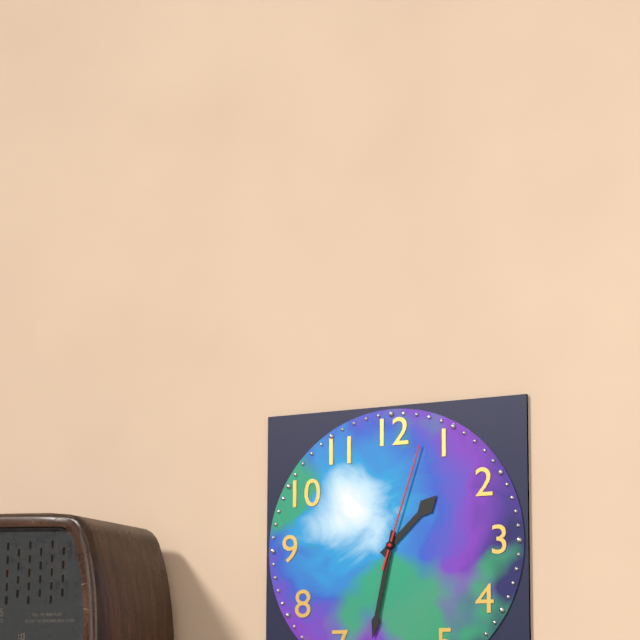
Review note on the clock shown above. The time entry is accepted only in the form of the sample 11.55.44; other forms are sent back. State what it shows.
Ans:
1.32.03
